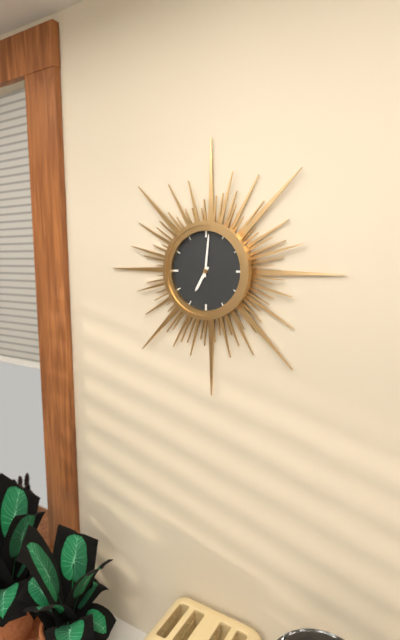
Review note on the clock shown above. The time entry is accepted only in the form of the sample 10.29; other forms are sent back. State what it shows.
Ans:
7.01
